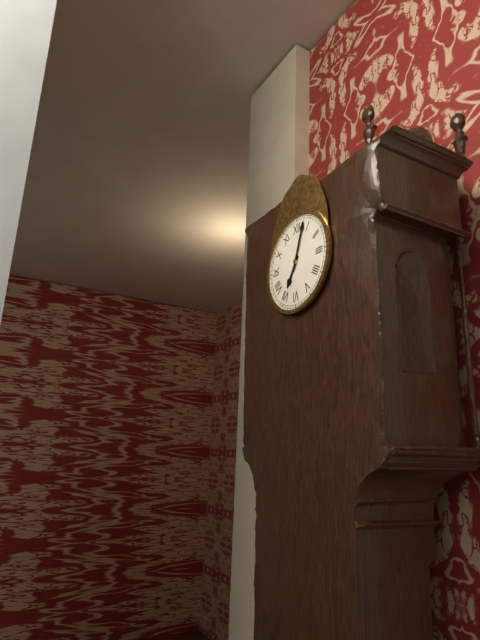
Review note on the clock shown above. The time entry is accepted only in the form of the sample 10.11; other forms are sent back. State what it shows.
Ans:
7.03
